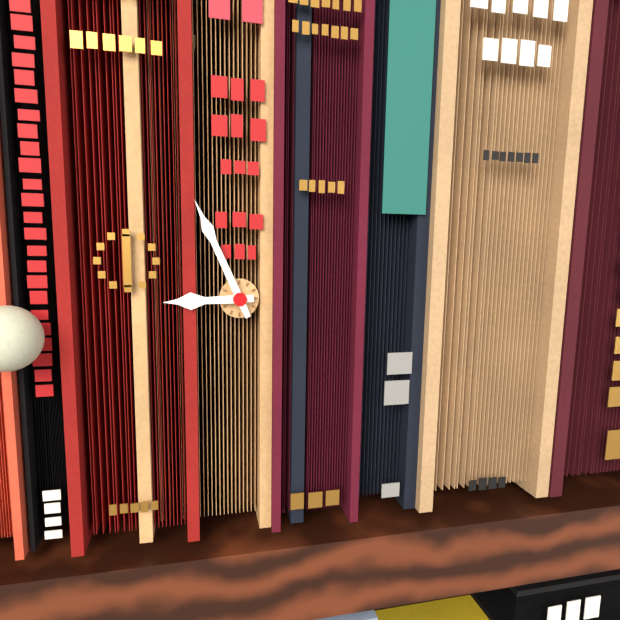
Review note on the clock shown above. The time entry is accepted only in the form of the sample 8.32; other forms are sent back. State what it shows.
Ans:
8.56
